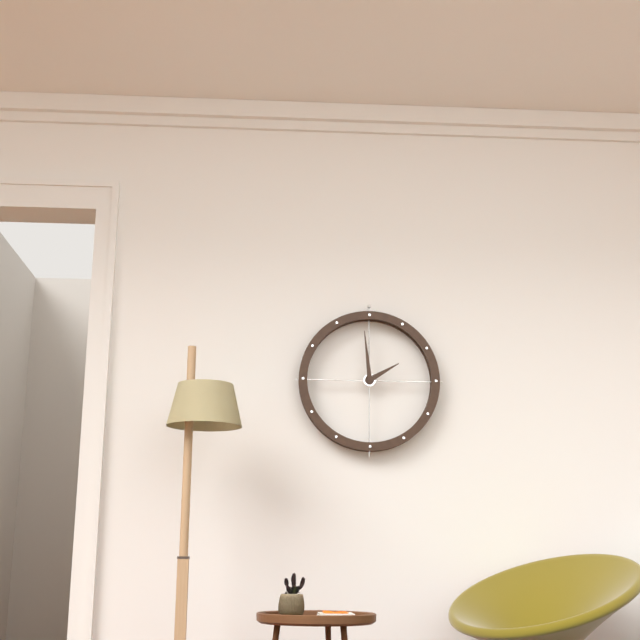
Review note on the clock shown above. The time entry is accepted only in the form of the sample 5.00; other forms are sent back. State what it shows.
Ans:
1.59
